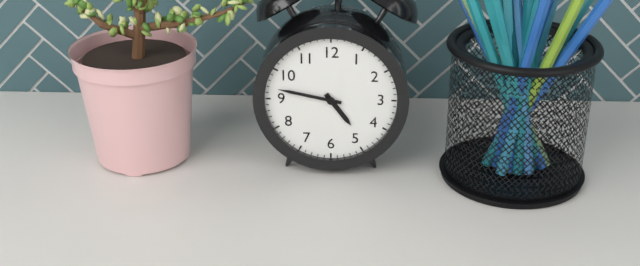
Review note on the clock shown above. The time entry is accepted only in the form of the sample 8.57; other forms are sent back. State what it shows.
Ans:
4.47
